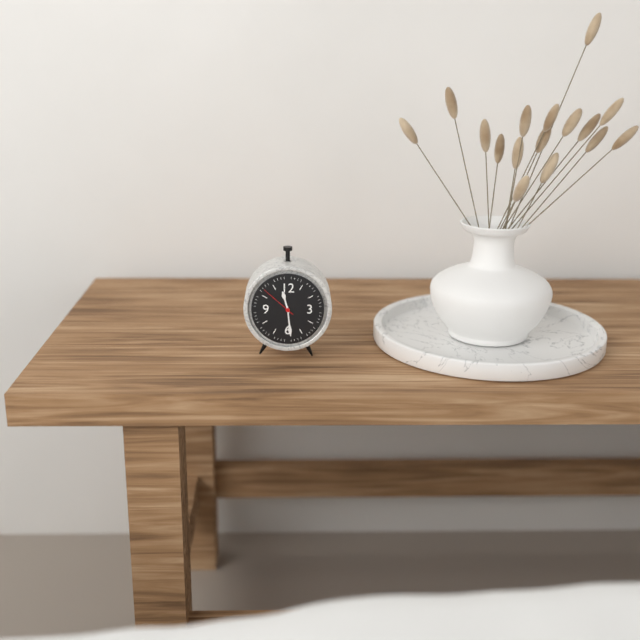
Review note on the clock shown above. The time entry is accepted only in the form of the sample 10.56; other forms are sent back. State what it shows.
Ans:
11.29
